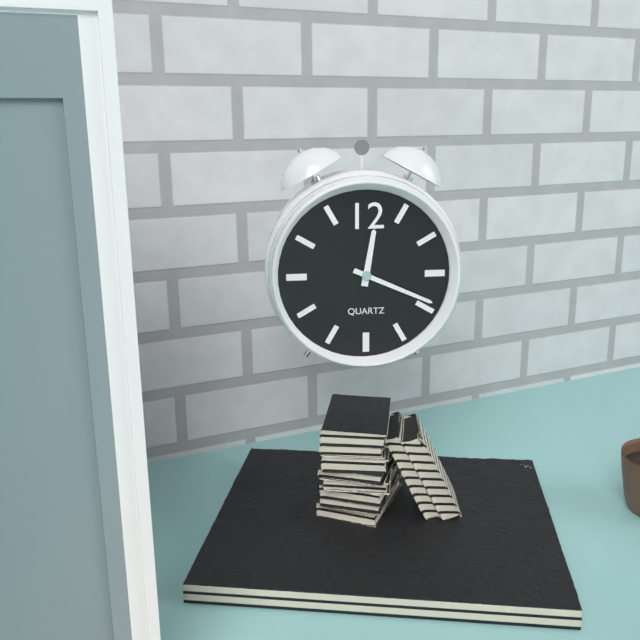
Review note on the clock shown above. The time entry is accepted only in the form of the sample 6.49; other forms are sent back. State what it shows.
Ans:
12.19
